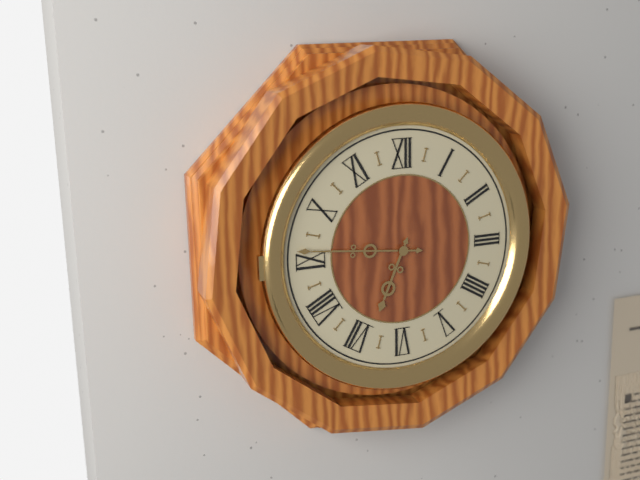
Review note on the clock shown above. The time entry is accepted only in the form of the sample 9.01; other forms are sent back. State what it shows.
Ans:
6.46
